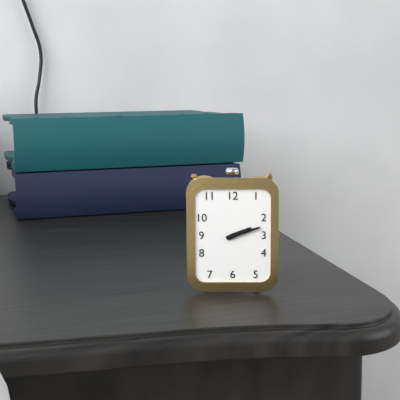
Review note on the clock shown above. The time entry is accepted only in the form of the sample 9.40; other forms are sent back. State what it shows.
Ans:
2.12
